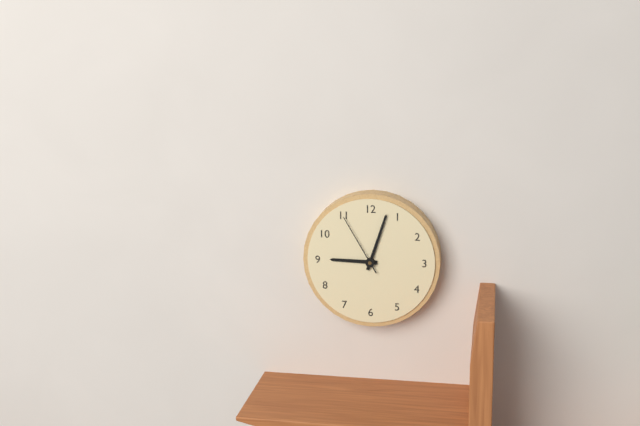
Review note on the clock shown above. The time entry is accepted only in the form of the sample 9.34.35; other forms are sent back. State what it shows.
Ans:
9.03.55
